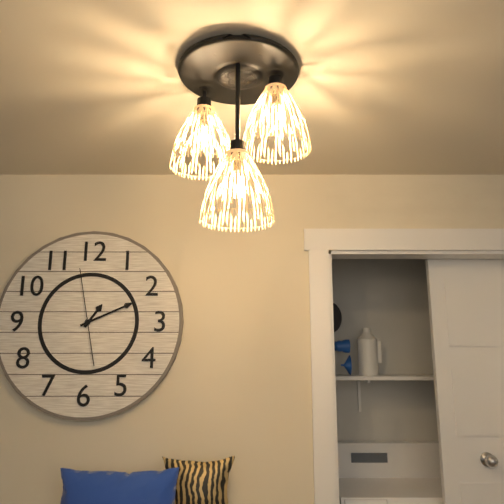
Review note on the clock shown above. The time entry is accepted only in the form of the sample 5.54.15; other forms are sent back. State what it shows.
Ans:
1.11.58
